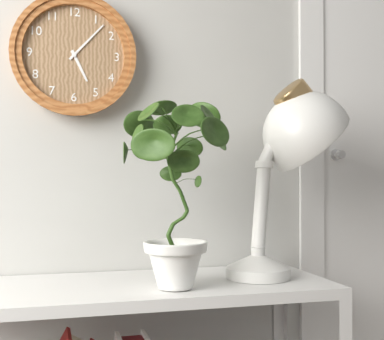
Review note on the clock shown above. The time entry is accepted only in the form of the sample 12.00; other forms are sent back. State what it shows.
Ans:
5.07
